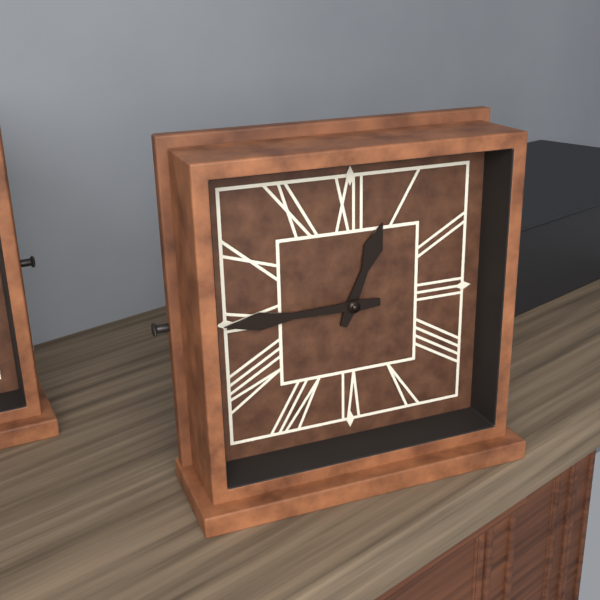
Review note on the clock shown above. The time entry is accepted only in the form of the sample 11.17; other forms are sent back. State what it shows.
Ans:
12.45
